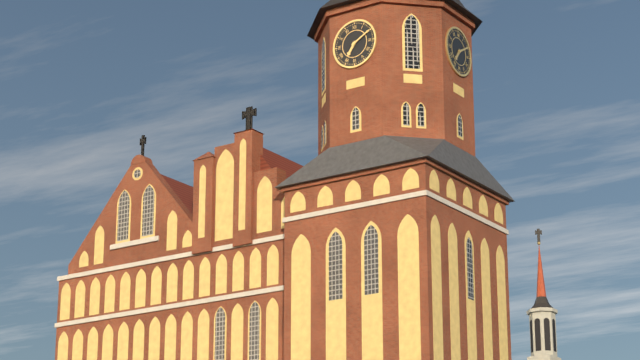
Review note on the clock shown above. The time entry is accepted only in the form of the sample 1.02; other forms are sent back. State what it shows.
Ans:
7.10
